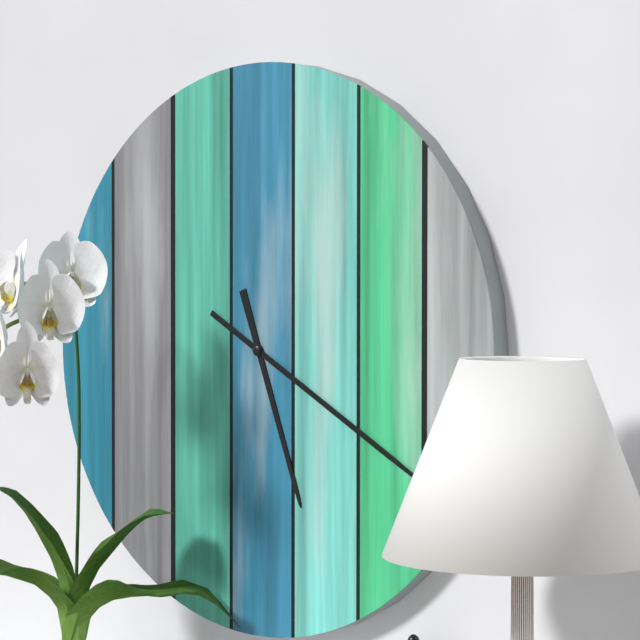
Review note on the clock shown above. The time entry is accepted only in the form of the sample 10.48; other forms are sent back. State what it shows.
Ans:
5.20
